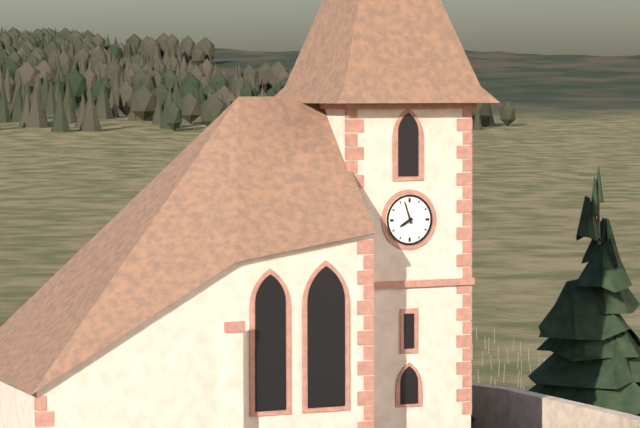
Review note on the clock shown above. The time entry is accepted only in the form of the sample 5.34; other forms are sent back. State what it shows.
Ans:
7.57
